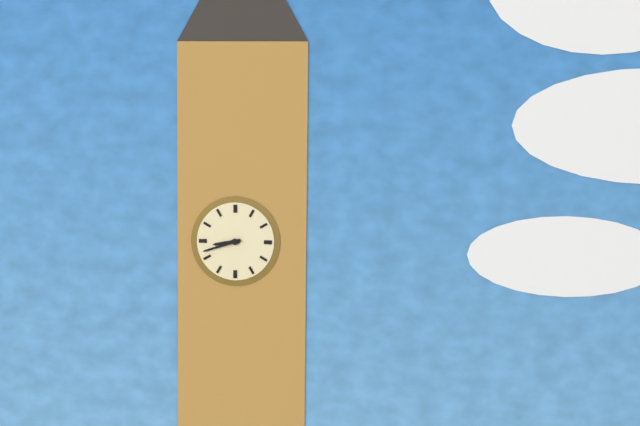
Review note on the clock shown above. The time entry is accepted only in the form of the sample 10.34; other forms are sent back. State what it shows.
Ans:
8.42
